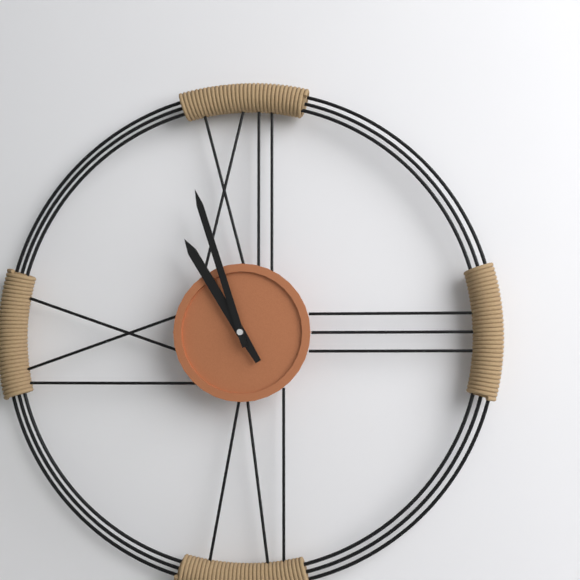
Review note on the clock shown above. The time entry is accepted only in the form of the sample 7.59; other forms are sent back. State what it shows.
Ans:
10.57
